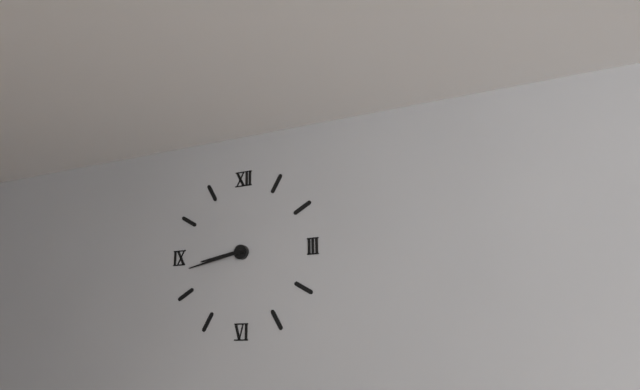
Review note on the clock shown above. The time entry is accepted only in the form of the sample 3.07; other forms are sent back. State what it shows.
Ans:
8.43
